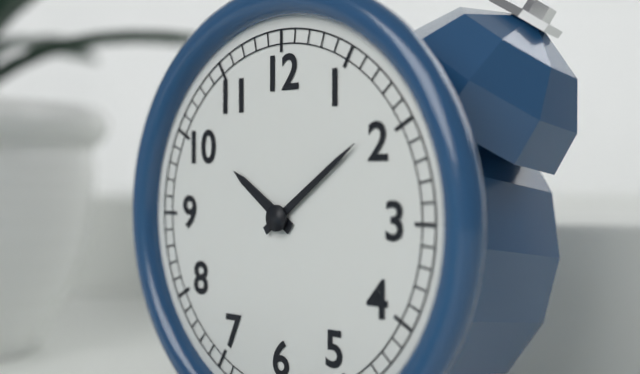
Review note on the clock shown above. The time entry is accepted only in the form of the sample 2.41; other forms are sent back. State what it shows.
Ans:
10.09
